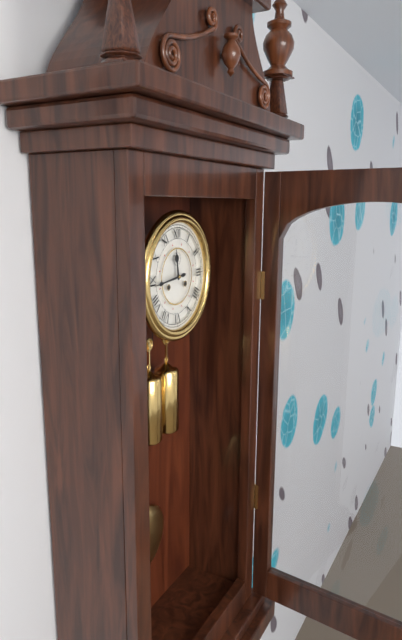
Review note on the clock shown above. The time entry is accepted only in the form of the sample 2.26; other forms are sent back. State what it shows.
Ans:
11.44
